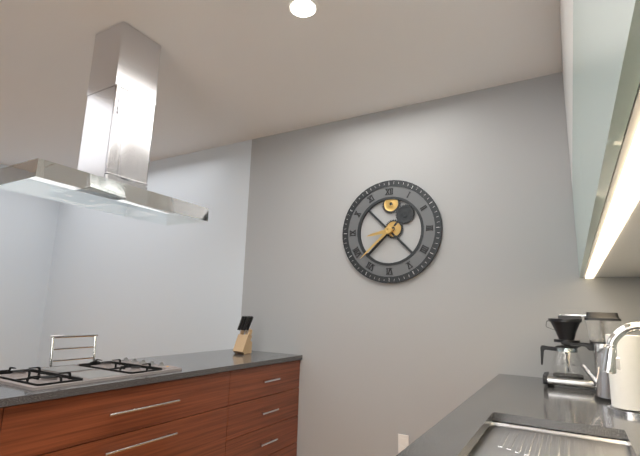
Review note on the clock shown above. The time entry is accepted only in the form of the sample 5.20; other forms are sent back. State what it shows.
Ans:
8.38
